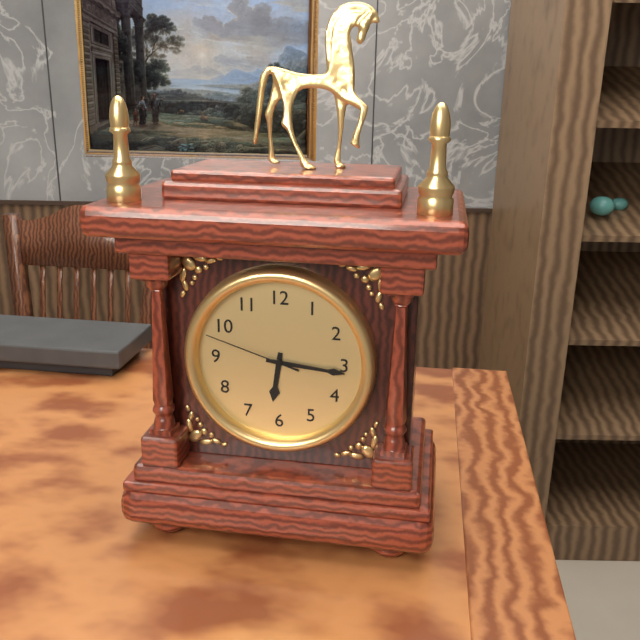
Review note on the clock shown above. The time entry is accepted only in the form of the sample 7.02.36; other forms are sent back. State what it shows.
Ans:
6.16.48
